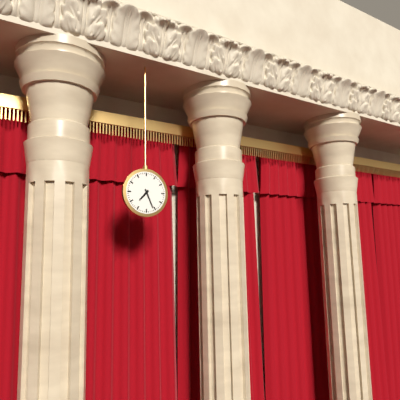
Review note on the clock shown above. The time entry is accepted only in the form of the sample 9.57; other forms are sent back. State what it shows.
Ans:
7.26
